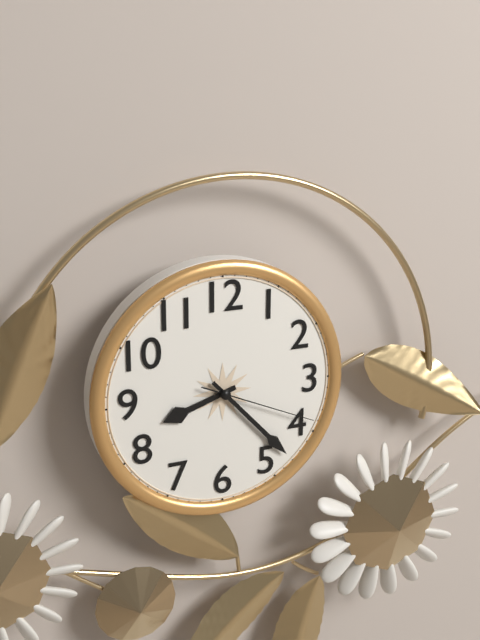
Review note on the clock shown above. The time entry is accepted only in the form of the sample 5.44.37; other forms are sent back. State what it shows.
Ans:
8.23.19
